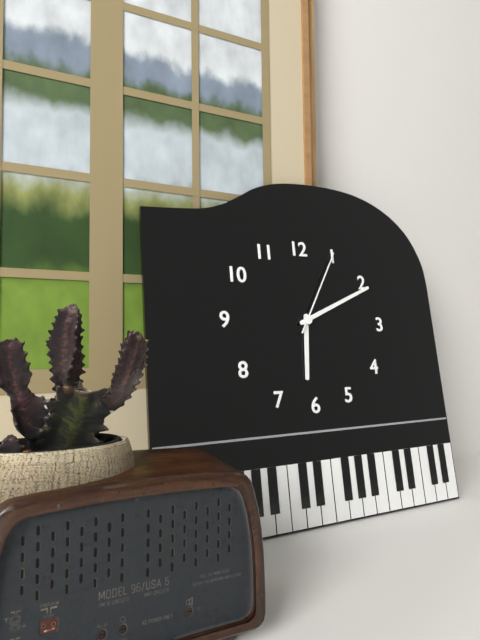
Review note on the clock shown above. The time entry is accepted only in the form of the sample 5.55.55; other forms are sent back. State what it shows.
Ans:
6.11.05
